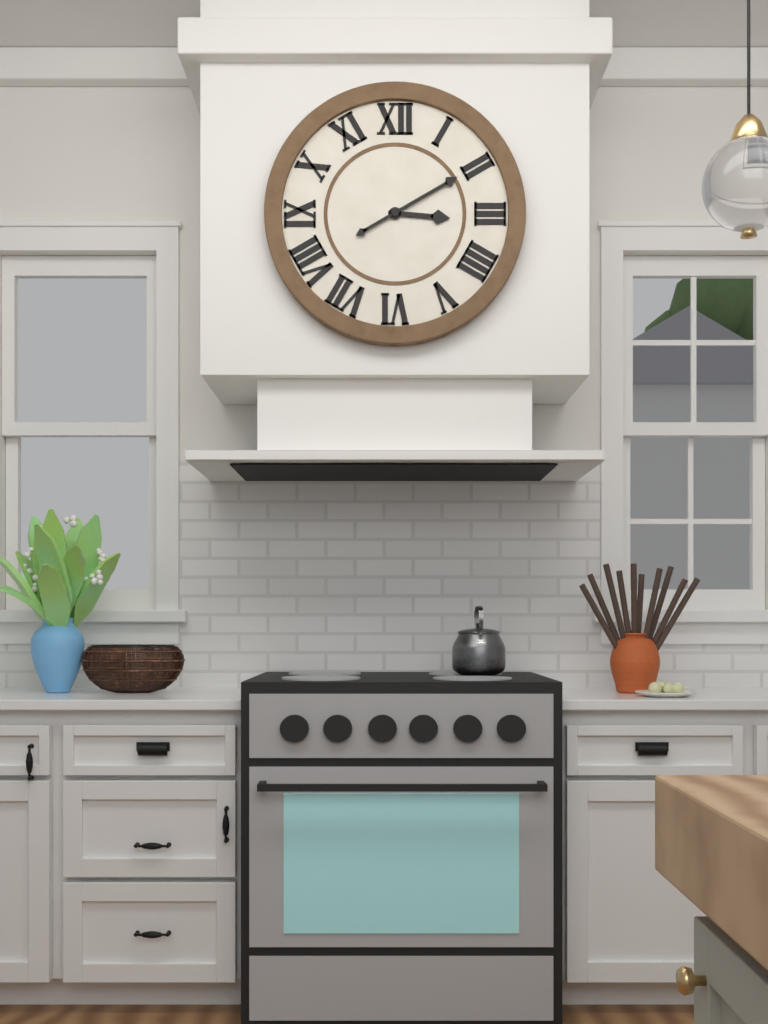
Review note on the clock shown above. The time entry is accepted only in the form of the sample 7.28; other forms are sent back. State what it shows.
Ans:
3.10
